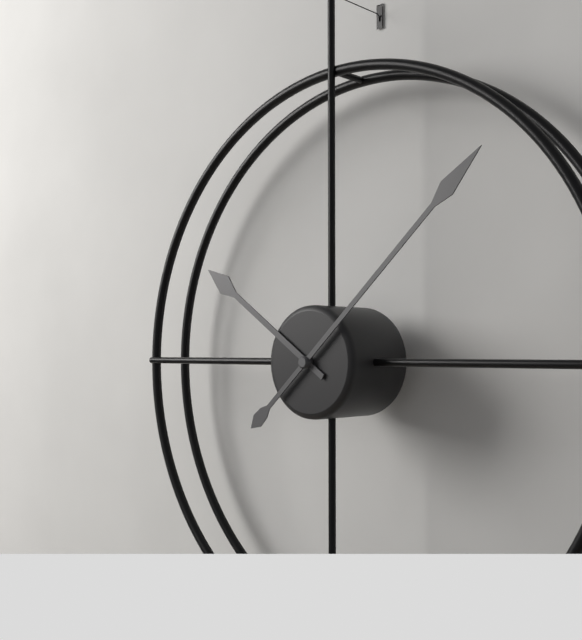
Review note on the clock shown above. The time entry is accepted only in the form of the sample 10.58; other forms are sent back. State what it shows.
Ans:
10.08
